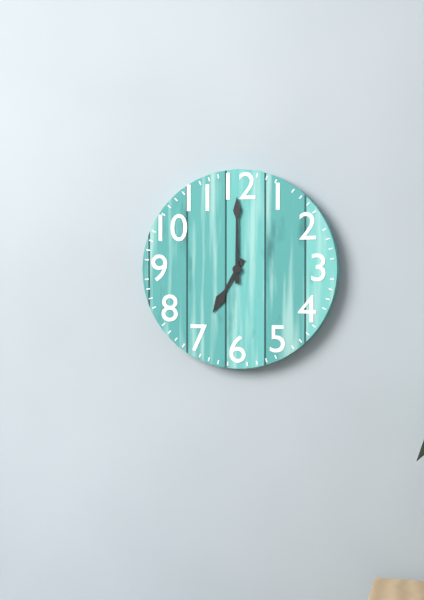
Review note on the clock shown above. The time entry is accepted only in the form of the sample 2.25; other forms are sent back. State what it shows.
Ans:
7.00
